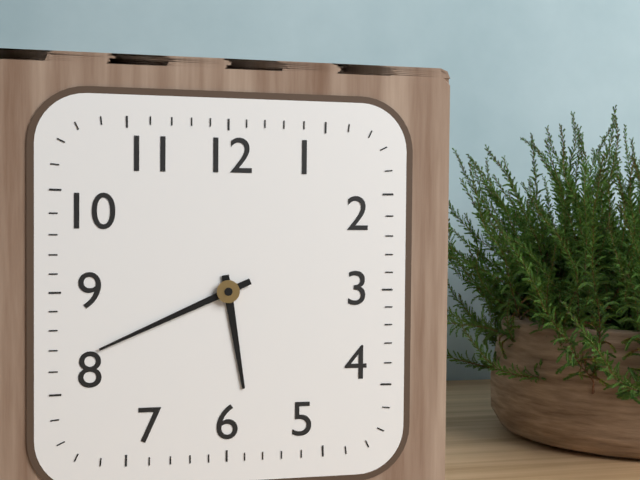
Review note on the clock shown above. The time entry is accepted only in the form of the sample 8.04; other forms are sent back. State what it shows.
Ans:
5.41
